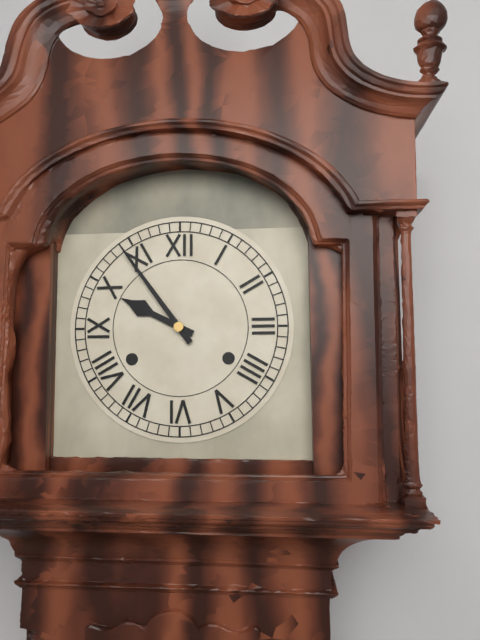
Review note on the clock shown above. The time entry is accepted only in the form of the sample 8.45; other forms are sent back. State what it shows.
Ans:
9.54
